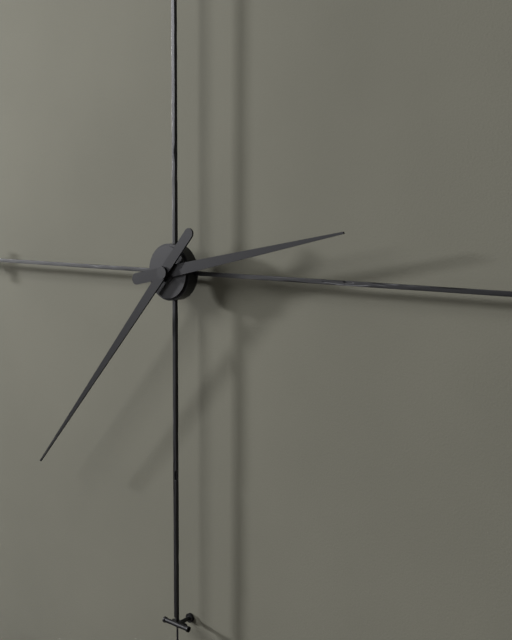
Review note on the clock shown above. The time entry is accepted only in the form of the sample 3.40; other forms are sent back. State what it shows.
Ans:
2.37
